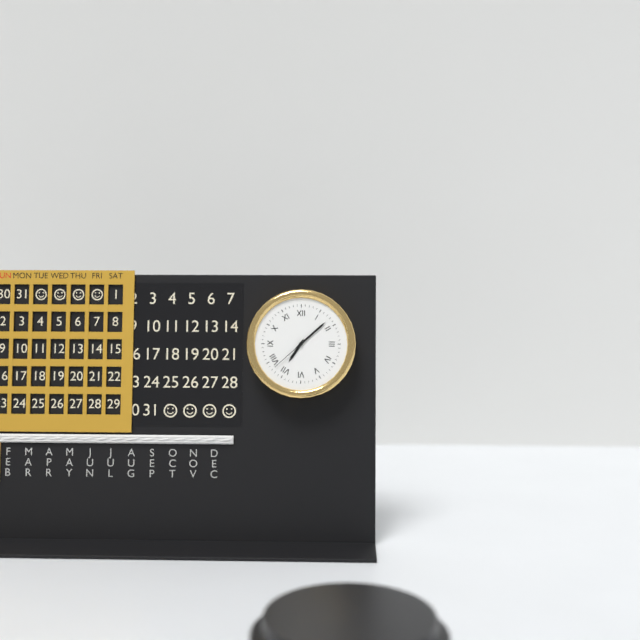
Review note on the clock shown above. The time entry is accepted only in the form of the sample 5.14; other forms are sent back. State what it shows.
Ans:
7.08
